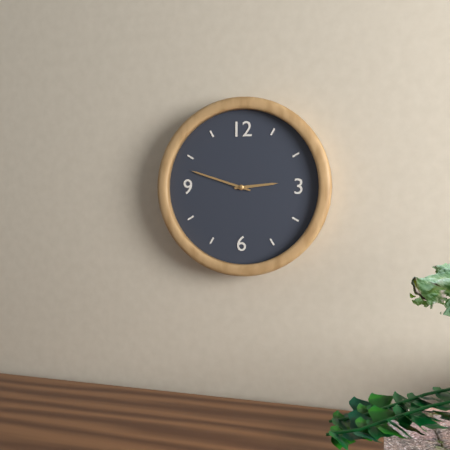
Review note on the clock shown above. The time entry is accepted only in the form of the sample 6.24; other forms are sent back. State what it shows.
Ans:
2.48
